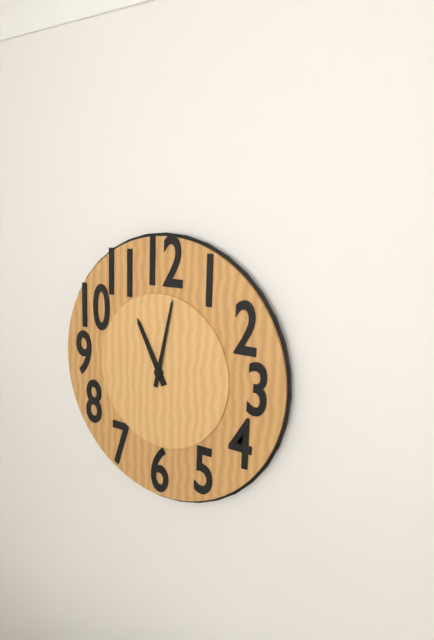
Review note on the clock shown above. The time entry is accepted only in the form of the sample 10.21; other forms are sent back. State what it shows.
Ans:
11.02
